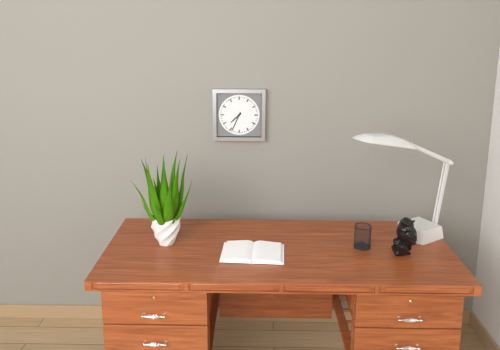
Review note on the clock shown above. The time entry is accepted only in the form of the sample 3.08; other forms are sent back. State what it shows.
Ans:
7.34
